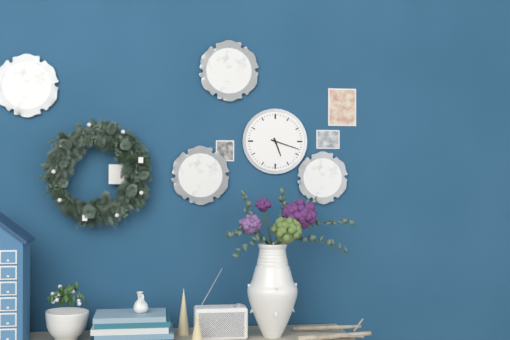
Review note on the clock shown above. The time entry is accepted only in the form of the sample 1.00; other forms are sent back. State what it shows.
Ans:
5.18
